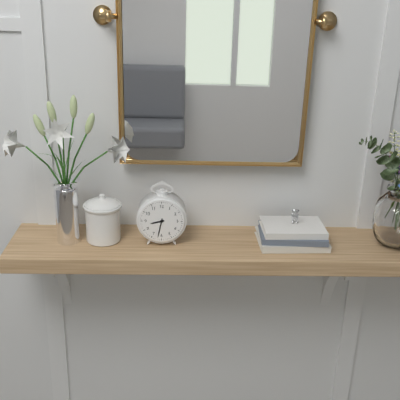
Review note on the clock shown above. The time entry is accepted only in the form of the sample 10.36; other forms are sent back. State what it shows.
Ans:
8.32
